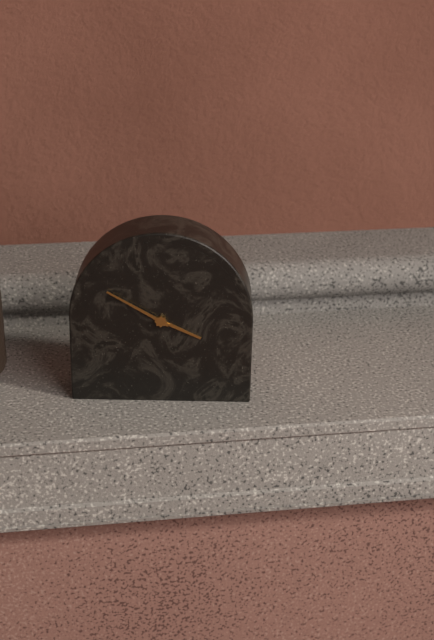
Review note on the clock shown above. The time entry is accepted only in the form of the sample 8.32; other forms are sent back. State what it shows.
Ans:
3.50
